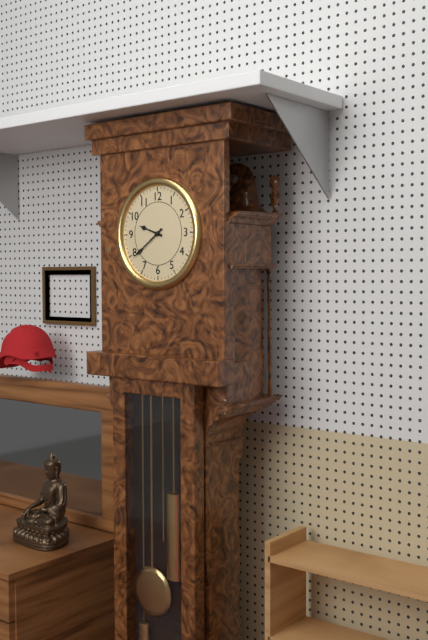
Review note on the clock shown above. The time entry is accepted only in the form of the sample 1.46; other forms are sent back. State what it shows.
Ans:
9.39
